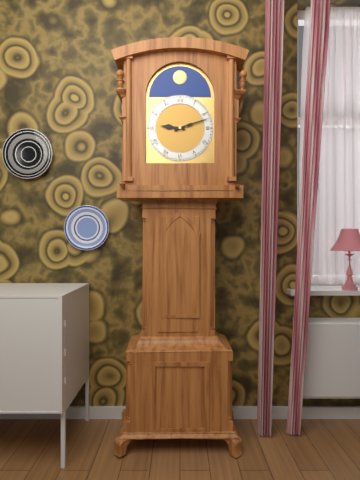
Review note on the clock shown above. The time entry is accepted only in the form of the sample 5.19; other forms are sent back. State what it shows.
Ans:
9.12
